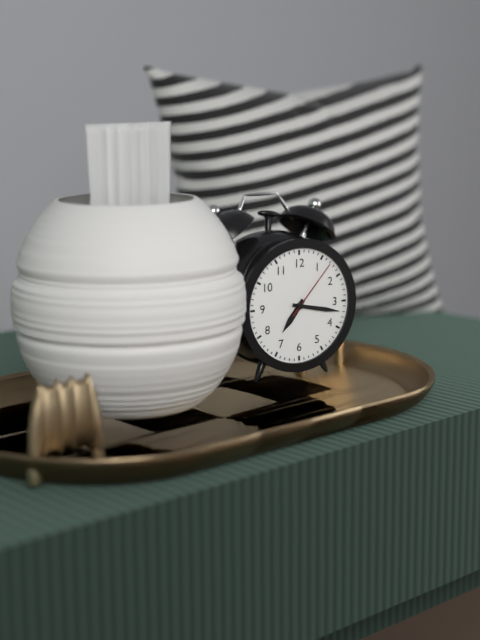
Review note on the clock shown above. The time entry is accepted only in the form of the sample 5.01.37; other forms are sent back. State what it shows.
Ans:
7.17.07
